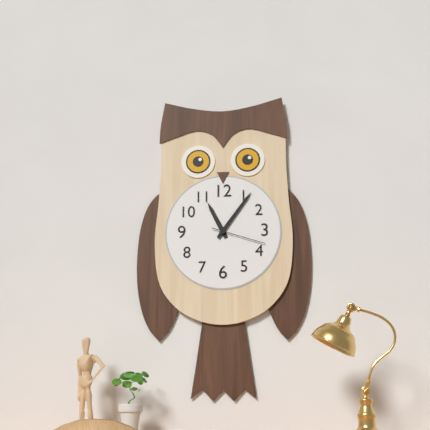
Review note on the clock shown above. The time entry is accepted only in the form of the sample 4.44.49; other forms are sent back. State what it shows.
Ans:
11.06.18
